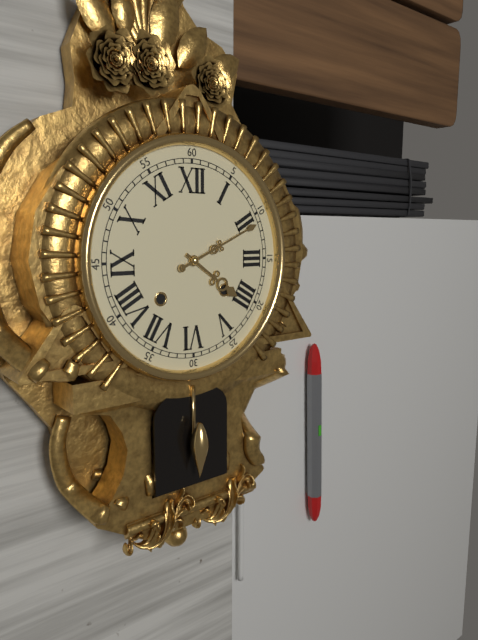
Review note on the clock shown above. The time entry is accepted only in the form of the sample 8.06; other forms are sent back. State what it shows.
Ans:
4.11
